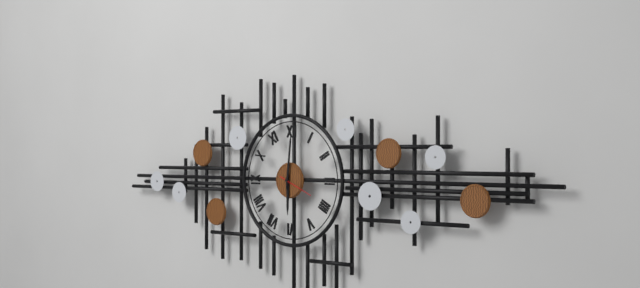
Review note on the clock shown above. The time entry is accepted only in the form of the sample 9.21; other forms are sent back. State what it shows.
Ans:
6.01
